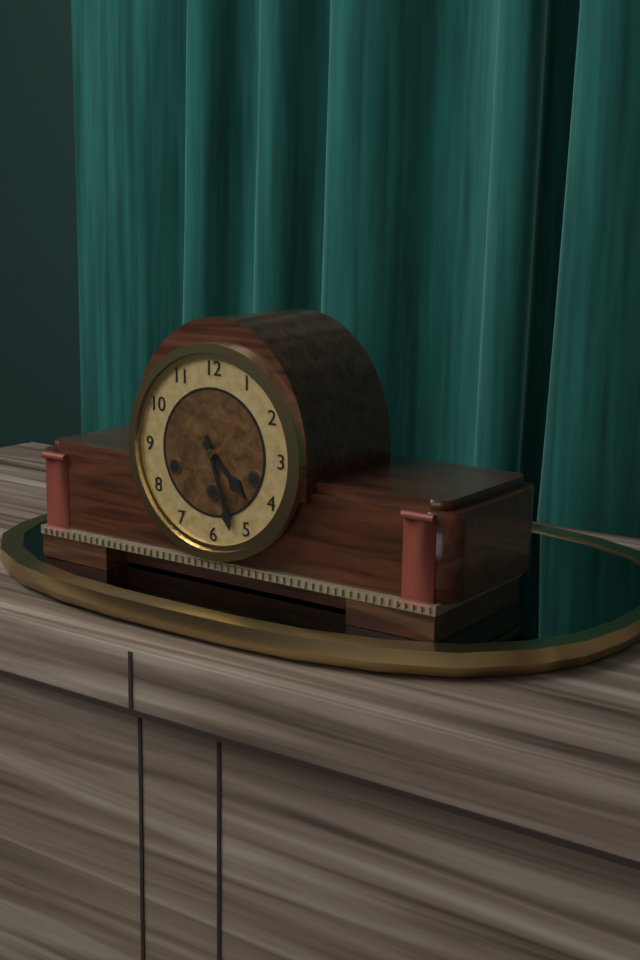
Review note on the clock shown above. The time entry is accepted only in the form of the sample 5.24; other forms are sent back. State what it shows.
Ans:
4.27
